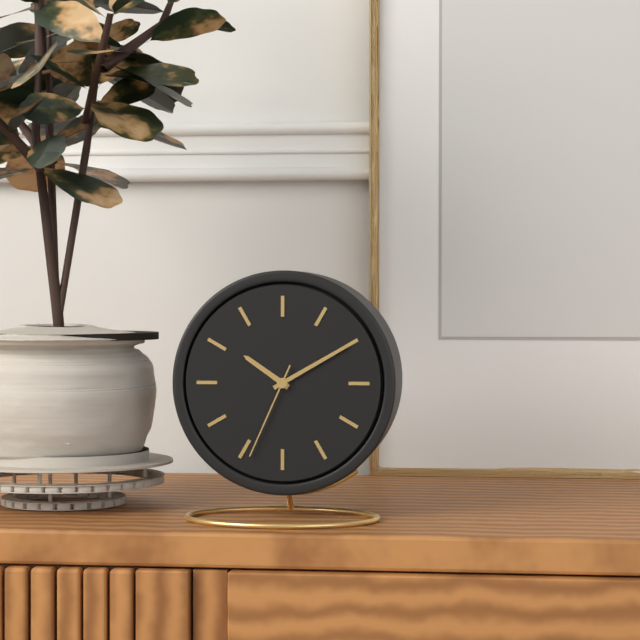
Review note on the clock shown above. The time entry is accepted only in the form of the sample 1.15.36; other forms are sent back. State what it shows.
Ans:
10.10.34
